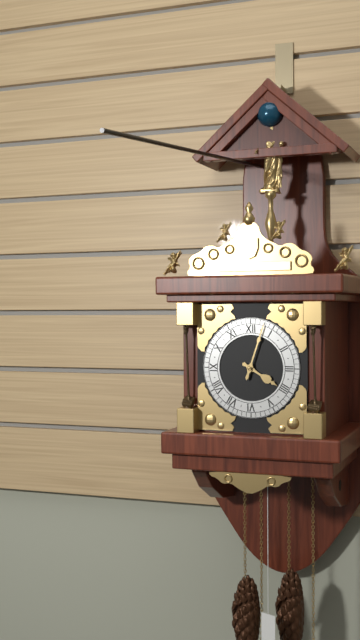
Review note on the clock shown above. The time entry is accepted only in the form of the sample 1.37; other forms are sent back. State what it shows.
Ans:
4.03
